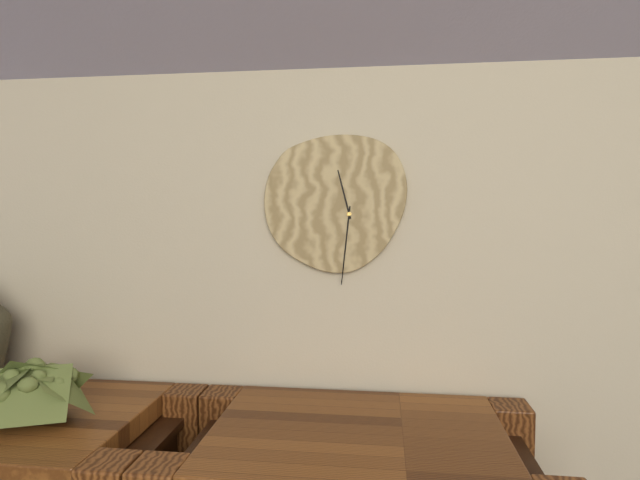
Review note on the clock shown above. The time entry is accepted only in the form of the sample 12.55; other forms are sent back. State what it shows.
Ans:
11.31
